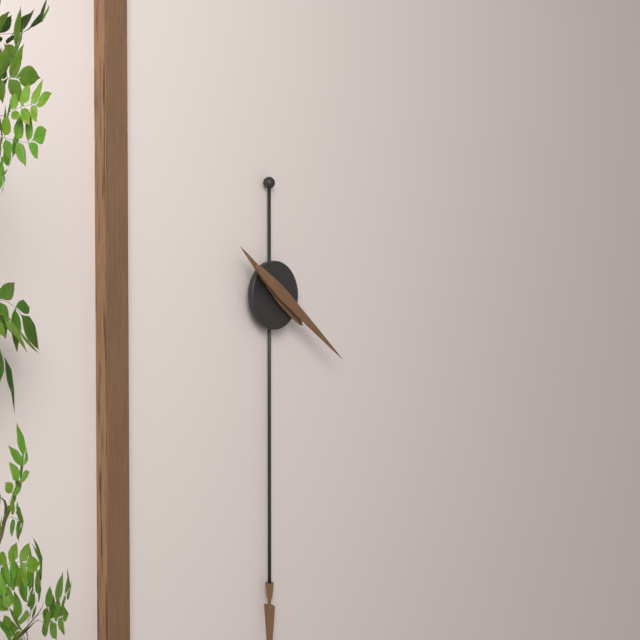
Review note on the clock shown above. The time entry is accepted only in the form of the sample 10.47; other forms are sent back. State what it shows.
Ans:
10.21
